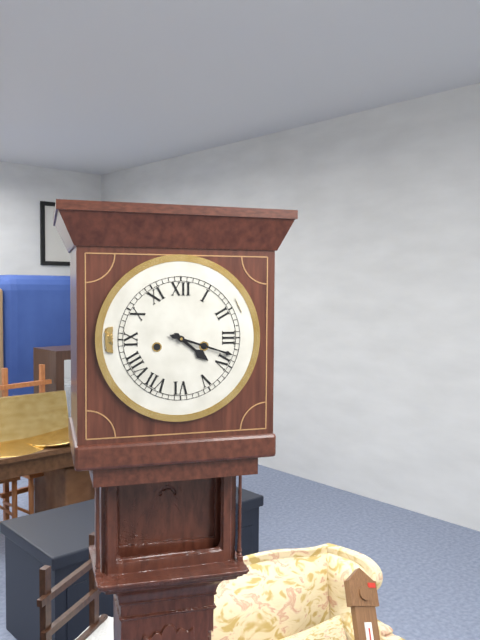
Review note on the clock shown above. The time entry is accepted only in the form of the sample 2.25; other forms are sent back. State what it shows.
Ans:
4.18
